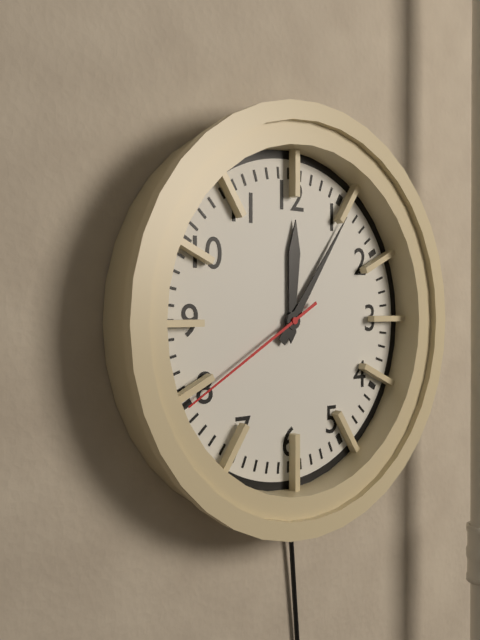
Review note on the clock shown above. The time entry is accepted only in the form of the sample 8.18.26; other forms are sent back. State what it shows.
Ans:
12.06.40
